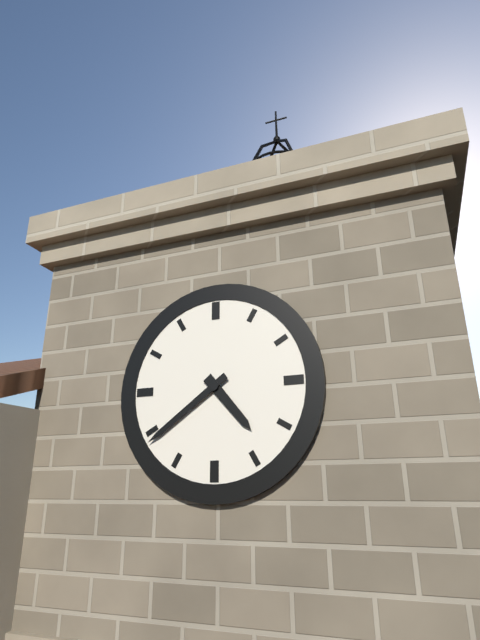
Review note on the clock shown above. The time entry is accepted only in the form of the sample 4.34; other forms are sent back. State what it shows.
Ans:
4.39
